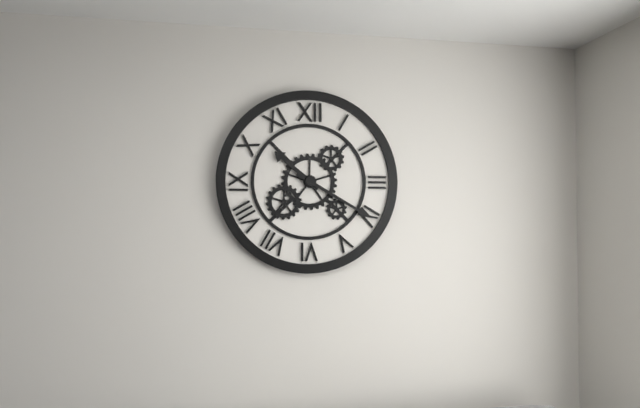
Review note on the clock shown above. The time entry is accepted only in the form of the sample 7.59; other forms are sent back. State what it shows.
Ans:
10.20
